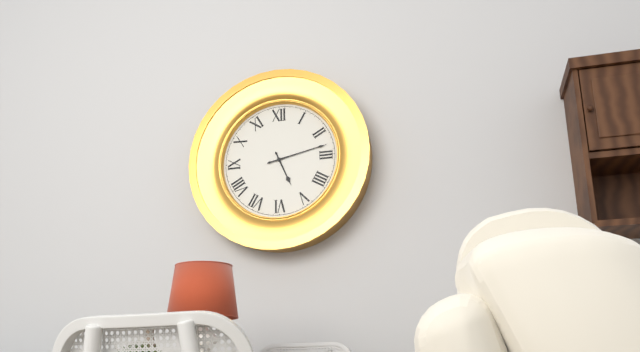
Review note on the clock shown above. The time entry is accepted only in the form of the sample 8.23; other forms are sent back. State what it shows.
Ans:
5.13
